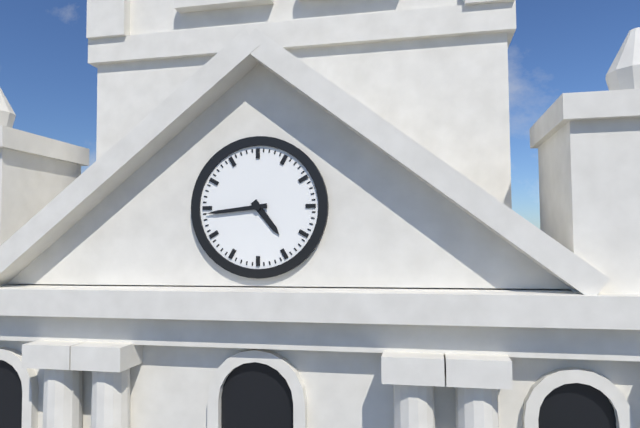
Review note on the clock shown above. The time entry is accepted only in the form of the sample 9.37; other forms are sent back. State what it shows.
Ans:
4.44
